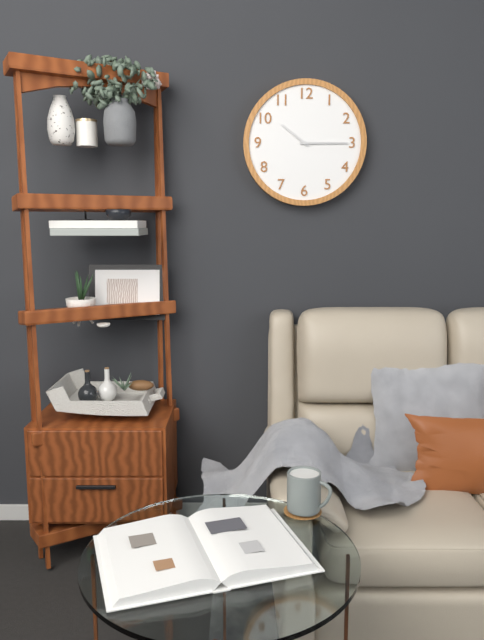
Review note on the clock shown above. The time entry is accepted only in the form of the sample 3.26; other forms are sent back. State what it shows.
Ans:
10.15
